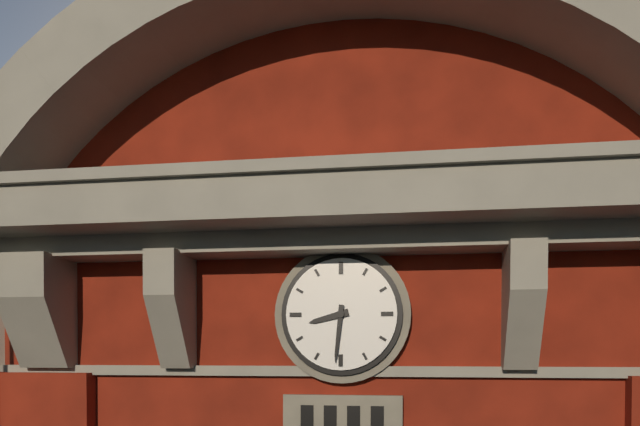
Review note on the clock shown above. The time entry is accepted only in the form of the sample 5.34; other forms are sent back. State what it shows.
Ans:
8.31
